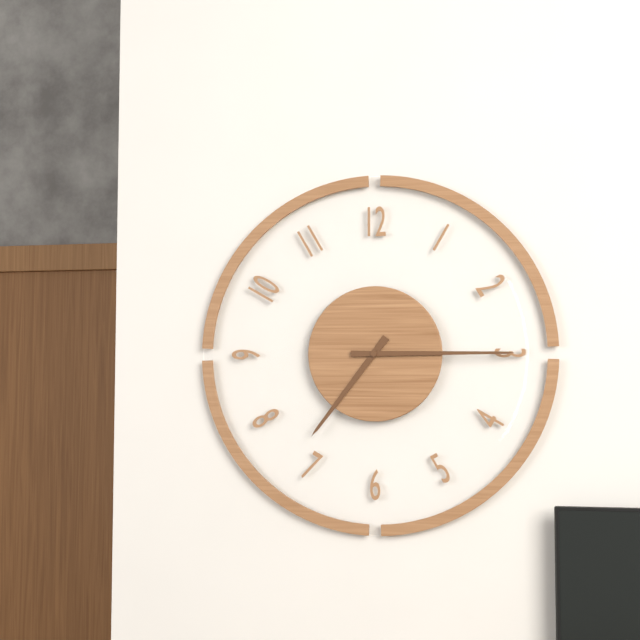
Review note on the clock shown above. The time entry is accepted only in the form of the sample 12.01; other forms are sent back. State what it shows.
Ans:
7.15
